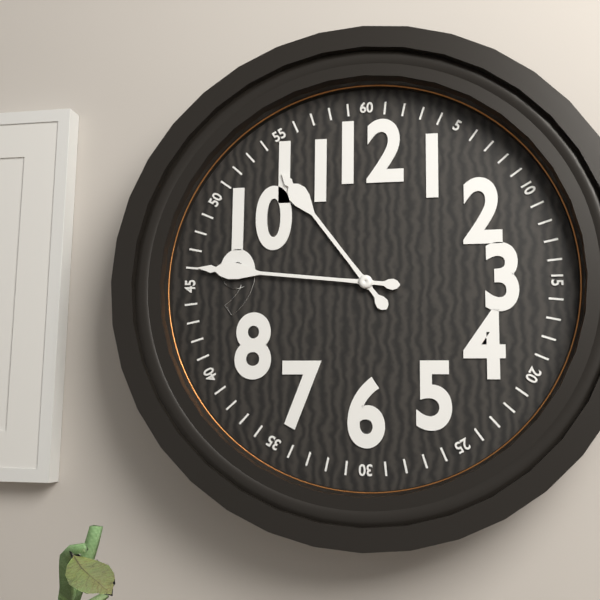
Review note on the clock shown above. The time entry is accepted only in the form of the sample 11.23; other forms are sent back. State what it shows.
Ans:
10.46
